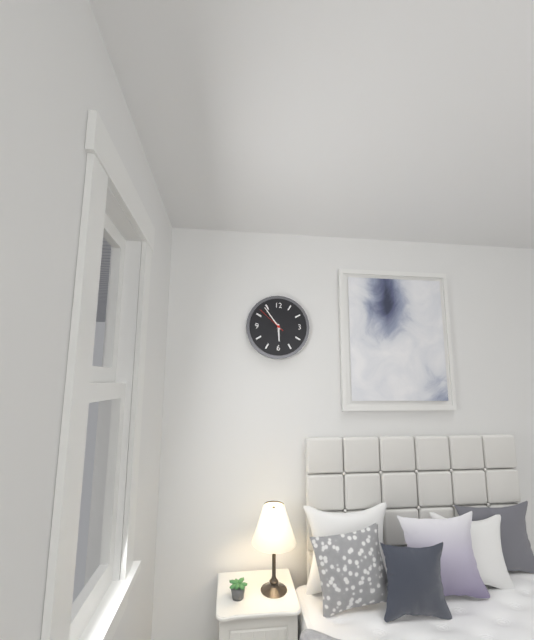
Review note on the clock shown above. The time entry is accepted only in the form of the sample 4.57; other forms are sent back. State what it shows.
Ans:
5.54
